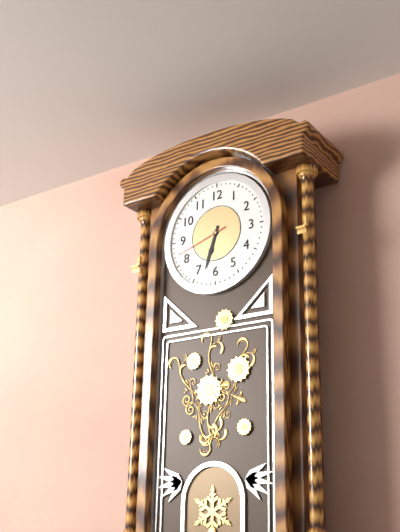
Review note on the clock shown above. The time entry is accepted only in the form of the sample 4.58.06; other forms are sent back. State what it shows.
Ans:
6.33.42
